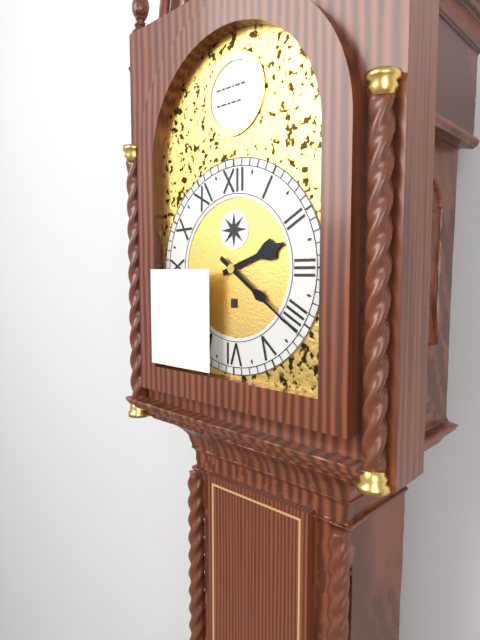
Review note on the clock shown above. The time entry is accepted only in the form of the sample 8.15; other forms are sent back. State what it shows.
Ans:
2.21
